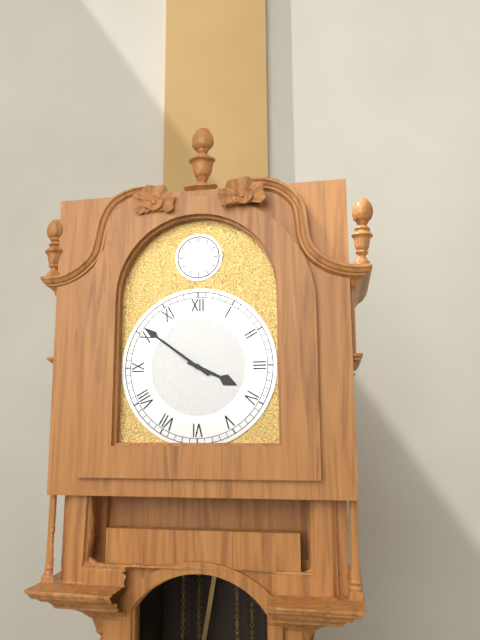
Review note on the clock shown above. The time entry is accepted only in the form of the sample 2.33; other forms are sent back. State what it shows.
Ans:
3.51
